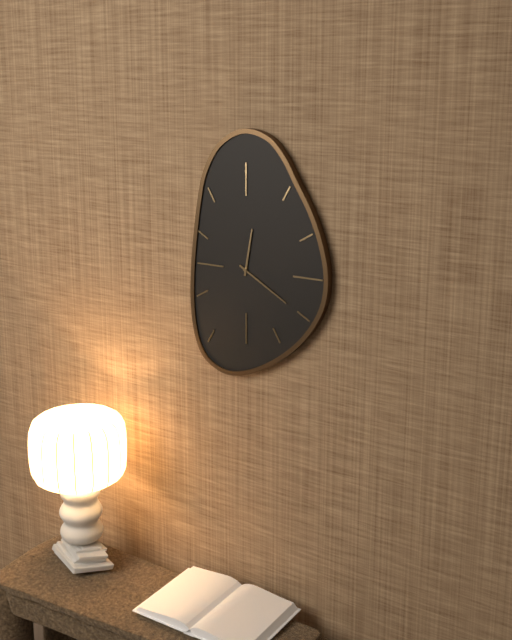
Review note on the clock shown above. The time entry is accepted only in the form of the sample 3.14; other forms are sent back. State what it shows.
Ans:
12.20
